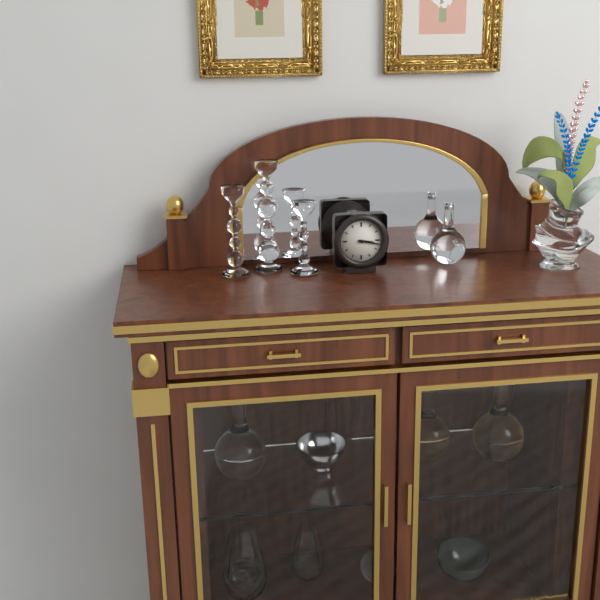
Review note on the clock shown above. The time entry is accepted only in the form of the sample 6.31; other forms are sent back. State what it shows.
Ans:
3.17
